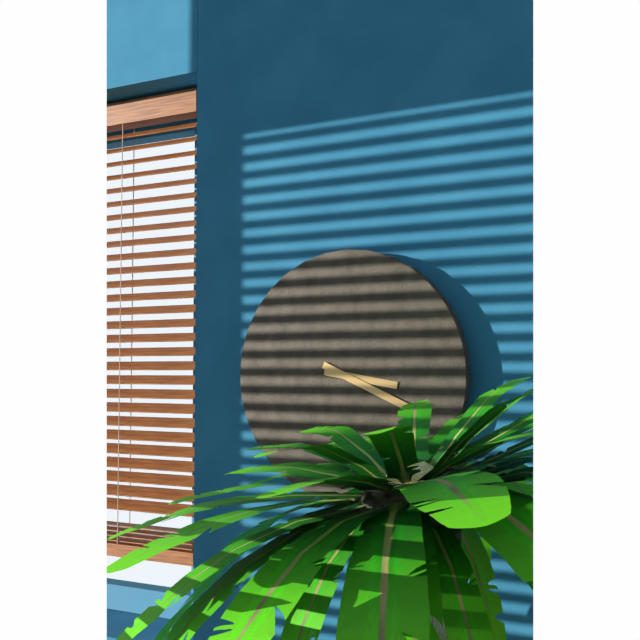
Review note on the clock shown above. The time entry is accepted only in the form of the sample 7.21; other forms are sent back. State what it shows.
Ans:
3.19
